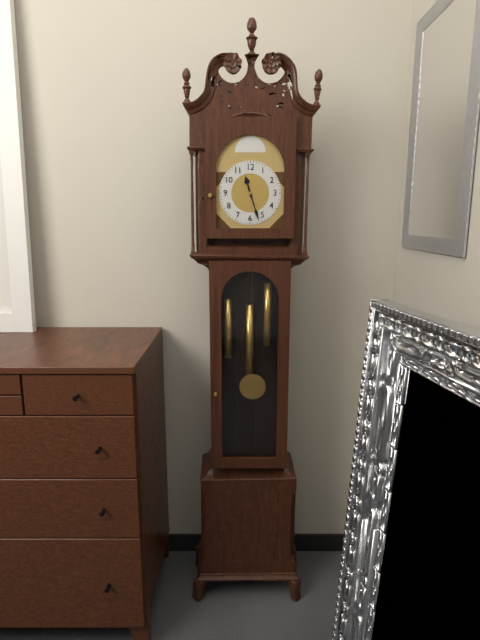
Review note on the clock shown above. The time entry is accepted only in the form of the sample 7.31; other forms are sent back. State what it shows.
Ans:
11.27
